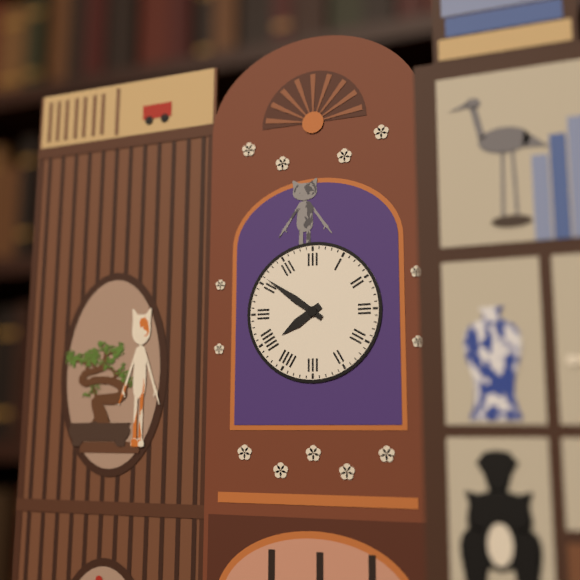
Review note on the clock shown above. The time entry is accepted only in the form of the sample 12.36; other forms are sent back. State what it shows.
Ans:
7.51
